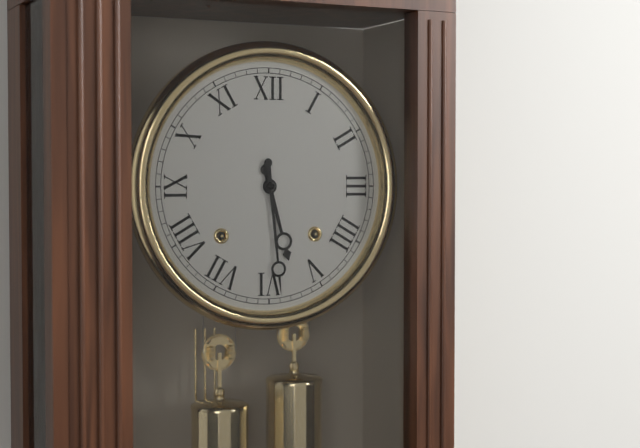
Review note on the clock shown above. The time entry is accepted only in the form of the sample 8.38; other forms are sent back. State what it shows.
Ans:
5.29
